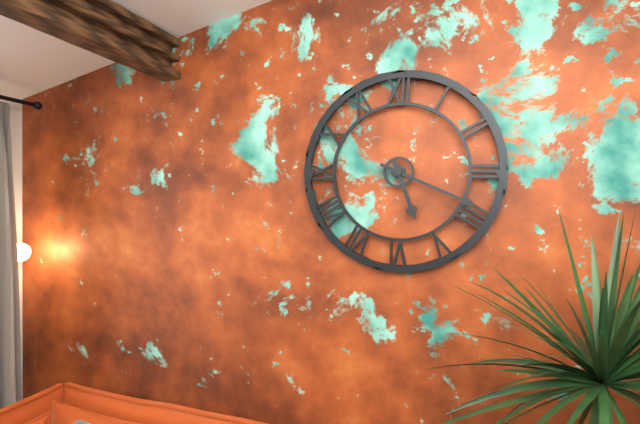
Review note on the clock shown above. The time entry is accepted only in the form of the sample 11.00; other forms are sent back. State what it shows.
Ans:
5.19
